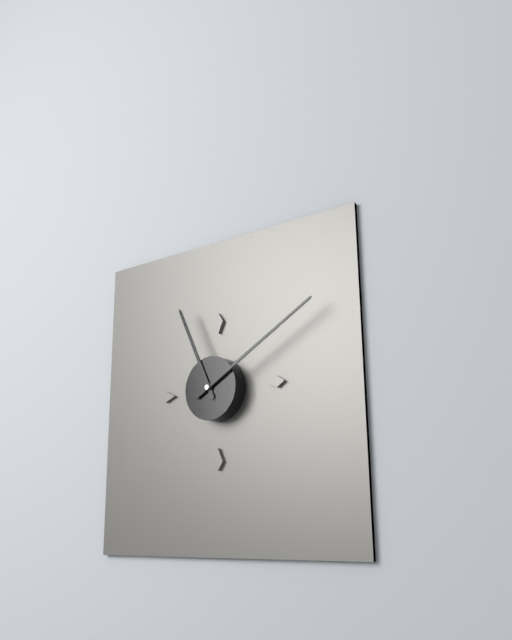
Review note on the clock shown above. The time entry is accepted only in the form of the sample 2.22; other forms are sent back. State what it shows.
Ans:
11.10
